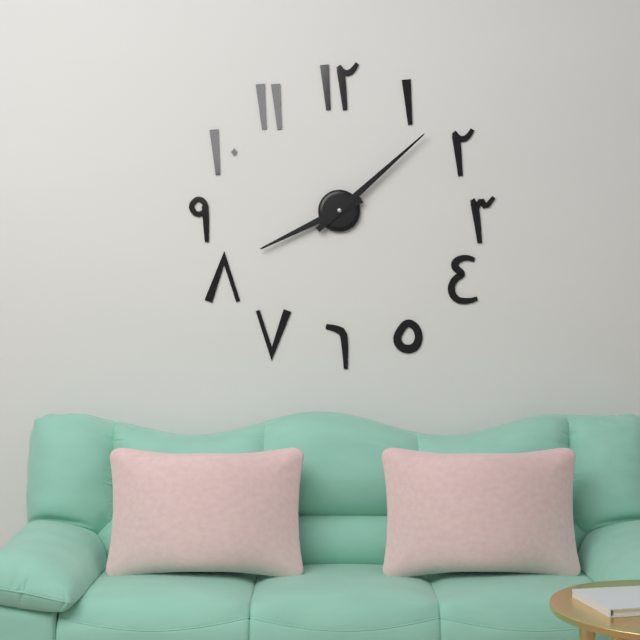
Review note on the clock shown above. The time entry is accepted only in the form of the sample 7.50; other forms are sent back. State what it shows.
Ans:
8.08
